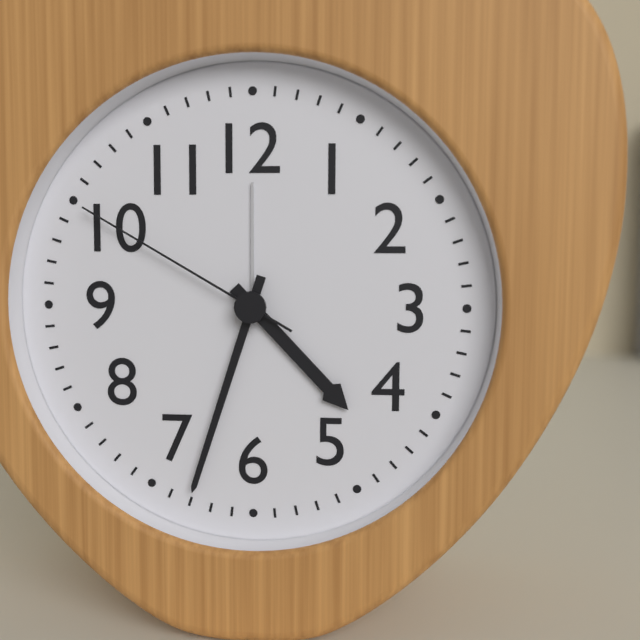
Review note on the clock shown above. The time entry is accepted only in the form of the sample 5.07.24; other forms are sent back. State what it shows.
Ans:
4.33.50
